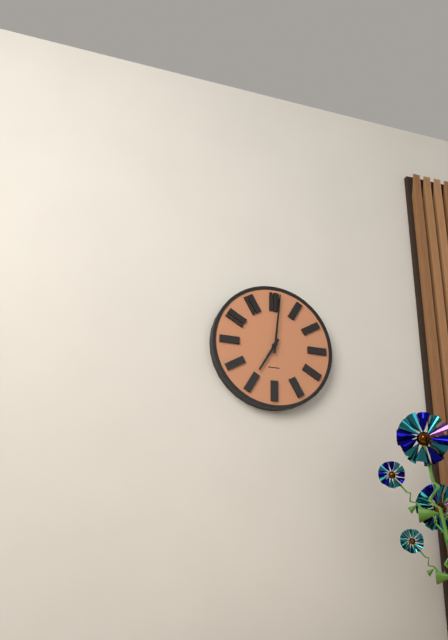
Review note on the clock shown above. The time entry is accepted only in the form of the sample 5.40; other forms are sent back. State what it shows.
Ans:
7.01
